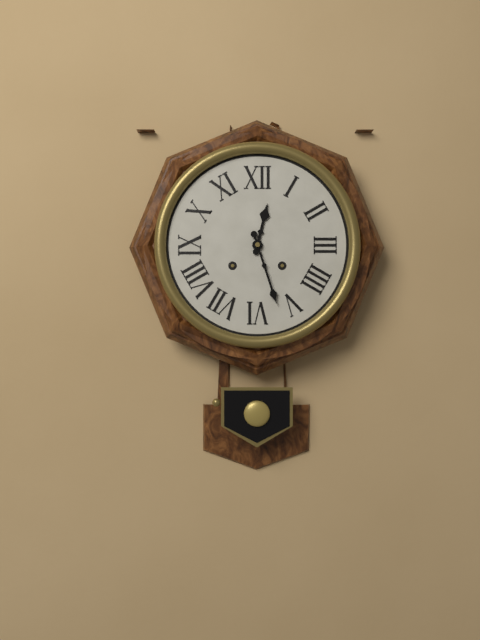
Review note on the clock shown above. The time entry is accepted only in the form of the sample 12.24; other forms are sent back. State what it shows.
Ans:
12.27
